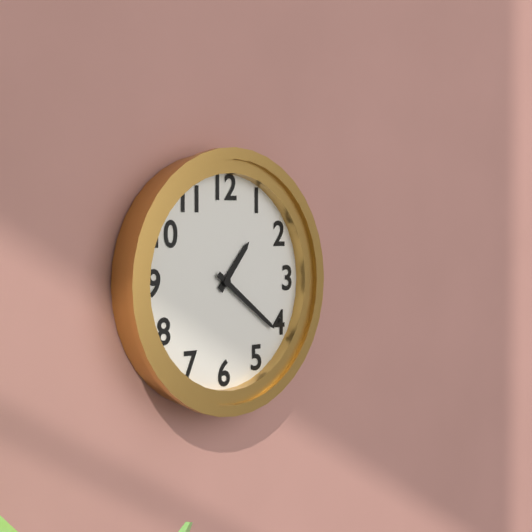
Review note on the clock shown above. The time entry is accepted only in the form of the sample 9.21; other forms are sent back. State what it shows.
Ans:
1.21
